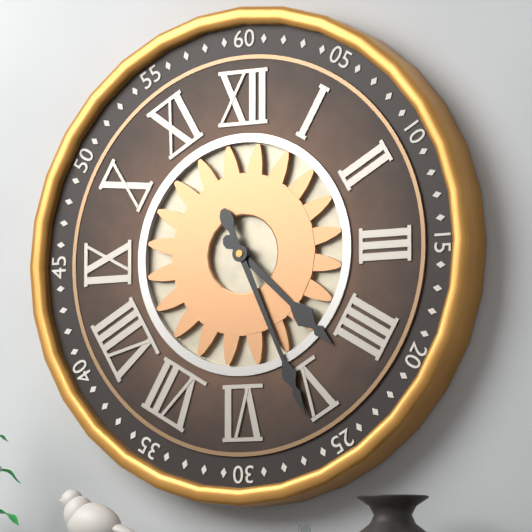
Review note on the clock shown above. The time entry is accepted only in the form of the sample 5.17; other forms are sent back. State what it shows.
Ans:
4.26
